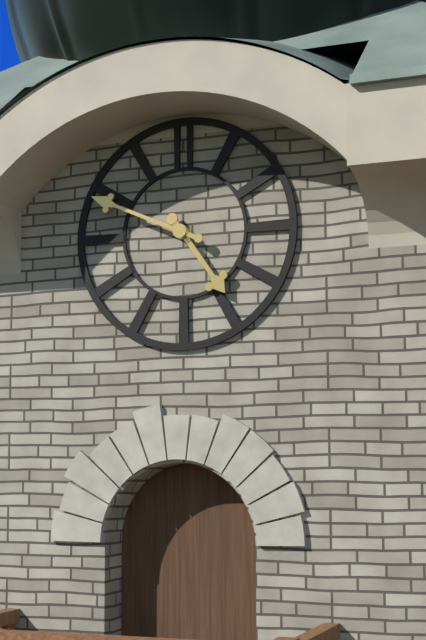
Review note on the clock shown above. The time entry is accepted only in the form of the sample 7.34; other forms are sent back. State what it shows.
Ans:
4.49
